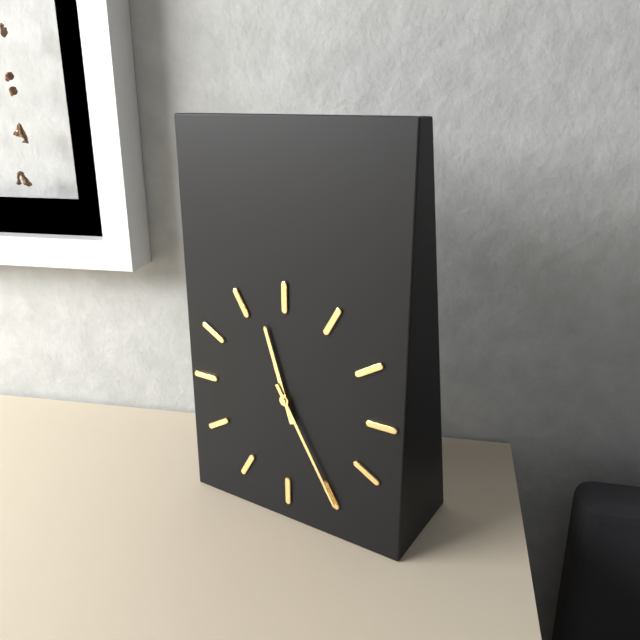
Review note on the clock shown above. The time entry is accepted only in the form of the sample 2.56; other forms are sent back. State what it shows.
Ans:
11.25
